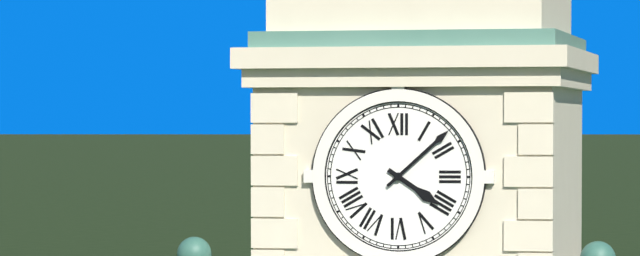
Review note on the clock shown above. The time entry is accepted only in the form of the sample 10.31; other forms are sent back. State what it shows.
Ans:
4.08
